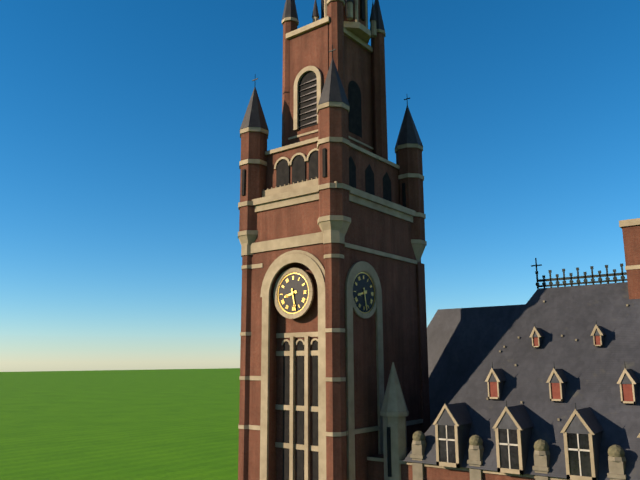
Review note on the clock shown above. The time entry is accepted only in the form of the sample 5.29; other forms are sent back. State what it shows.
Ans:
8.28
